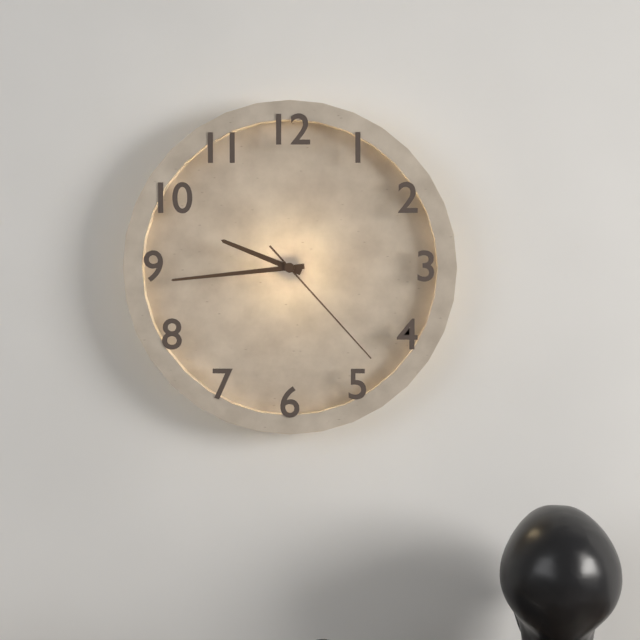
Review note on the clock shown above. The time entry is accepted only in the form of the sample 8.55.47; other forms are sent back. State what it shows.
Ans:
9.44.23
